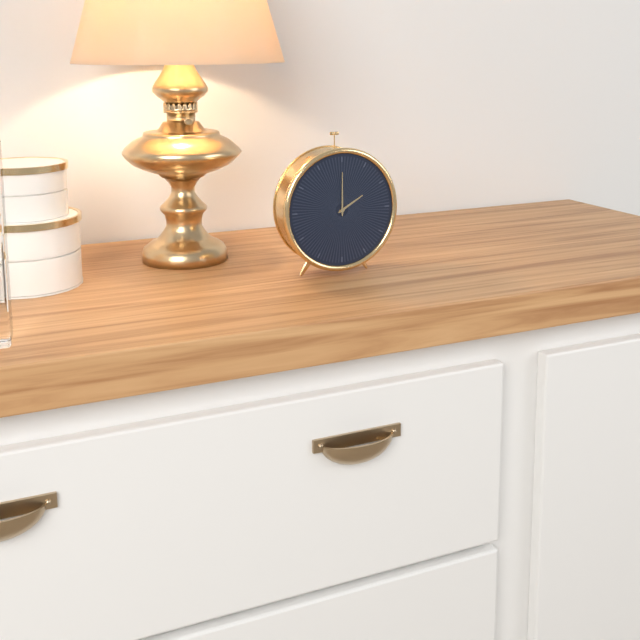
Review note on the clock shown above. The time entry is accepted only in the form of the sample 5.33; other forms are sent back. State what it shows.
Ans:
2.00
